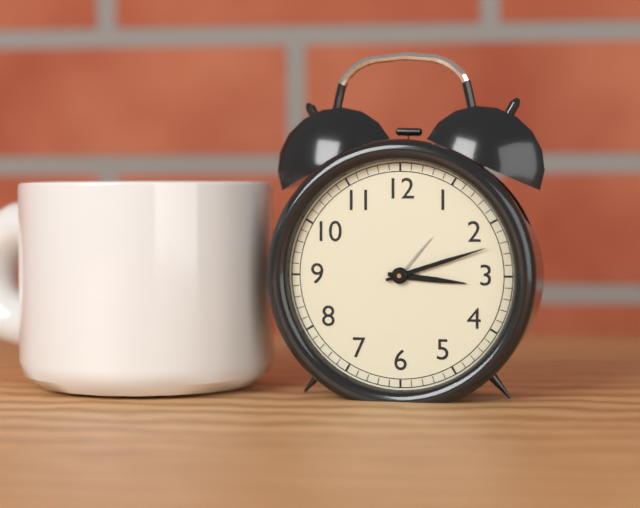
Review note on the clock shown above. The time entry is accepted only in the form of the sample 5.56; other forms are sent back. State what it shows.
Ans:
3.12
